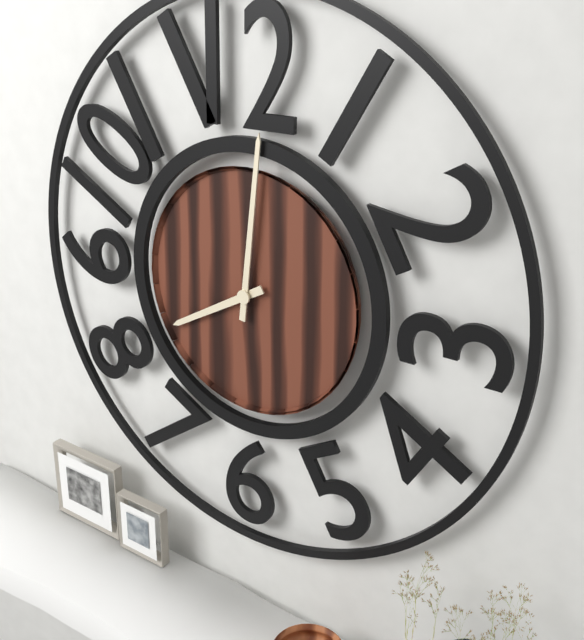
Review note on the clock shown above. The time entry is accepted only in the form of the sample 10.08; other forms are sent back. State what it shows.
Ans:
8.01
